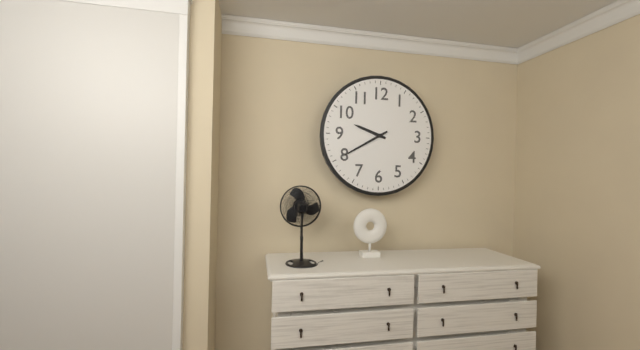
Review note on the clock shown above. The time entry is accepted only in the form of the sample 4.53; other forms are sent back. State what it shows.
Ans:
9.40
